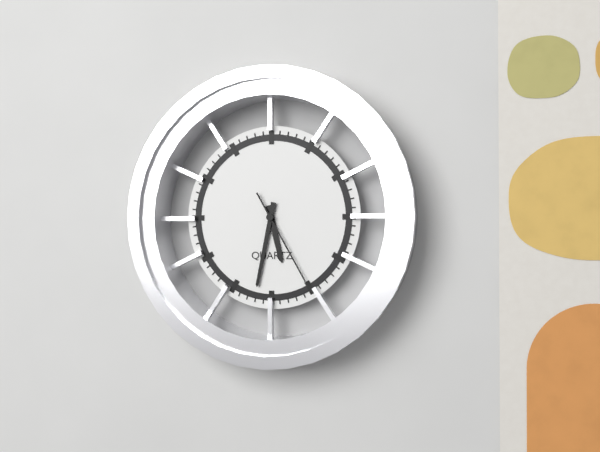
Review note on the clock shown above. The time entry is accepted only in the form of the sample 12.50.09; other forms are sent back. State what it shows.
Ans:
5.32.25
